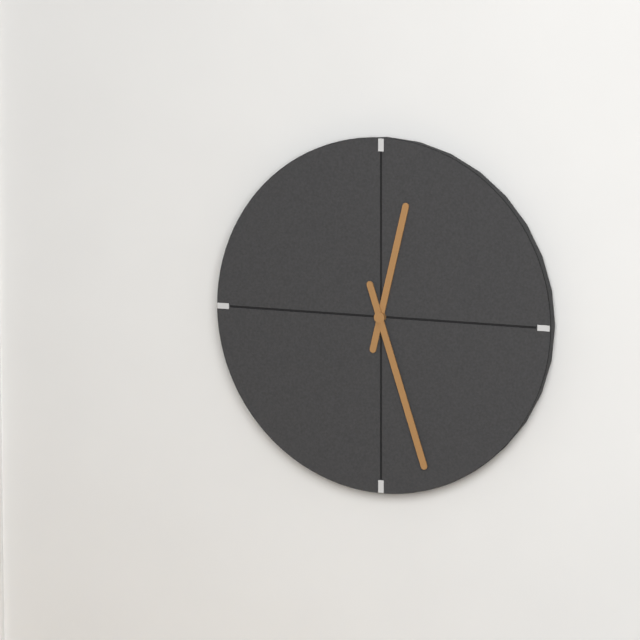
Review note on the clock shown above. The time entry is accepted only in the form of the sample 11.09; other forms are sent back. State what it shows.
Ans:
12.27
